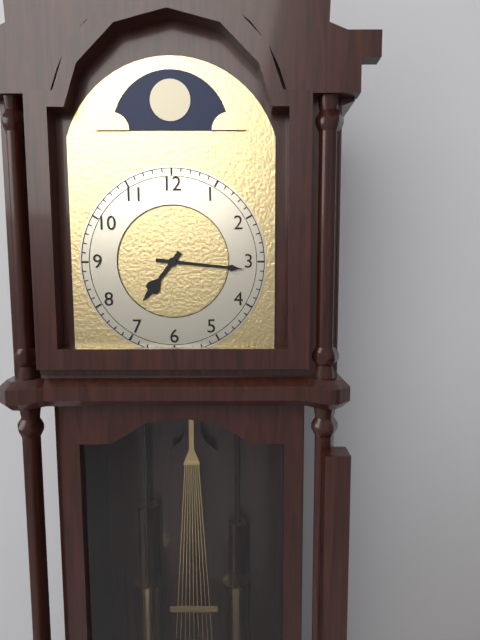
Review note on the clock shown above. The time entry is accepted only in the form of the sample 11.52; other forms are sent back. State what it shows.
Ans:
7.16
